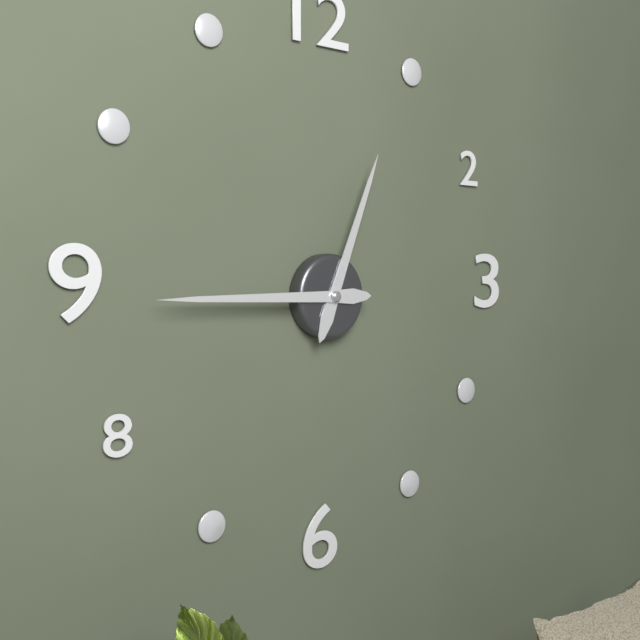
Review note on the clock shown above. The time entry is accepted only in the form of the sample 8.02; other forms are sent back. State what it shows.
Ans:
12.45
